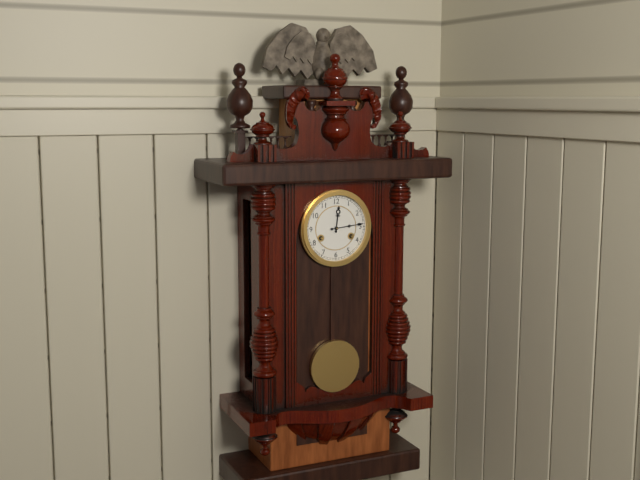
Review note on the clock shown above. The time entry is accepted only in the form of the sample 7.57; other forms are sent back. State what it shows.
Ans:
12.14
